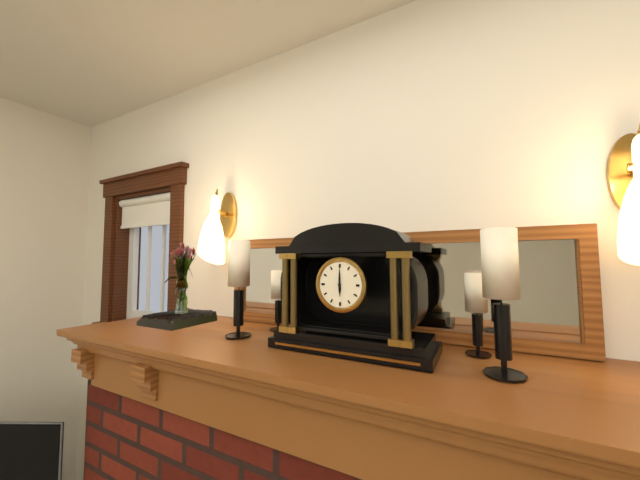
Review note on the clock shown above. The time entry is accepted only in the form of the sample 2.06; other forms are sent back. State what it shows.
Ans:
6.00
